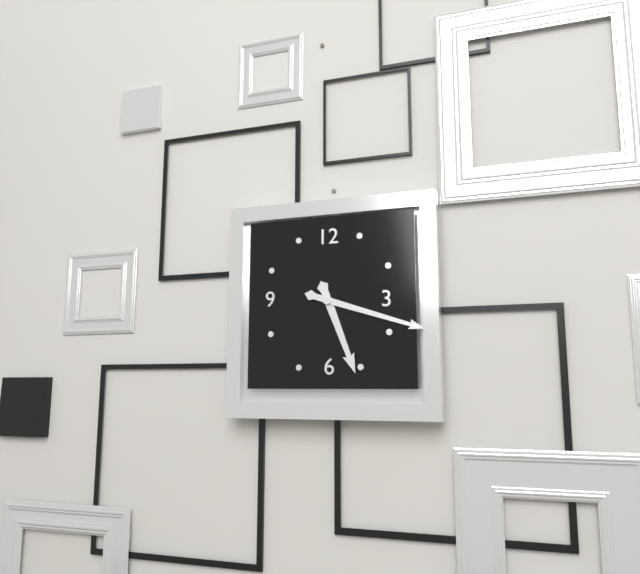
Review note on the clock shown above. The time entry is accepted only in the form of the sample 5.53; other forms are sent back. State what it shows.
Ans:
5.18
